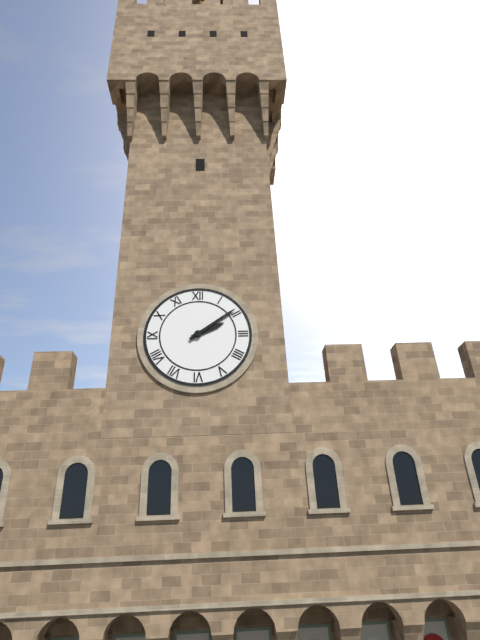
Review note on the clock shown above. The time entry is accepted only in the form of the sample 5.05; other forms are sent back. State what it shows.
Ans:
2.09
